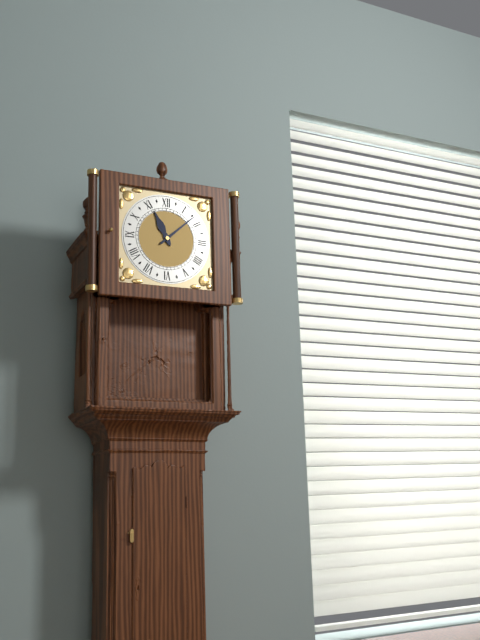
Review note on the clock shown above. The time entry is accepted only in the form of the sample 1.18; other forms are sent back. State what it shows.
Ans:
11.08
